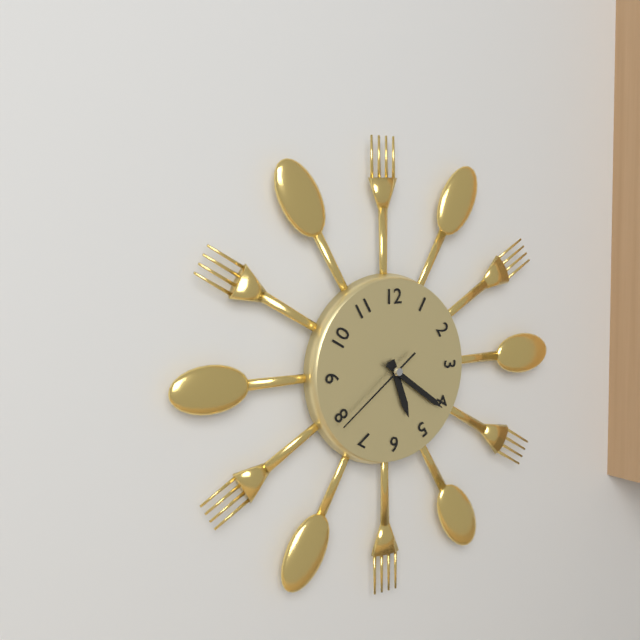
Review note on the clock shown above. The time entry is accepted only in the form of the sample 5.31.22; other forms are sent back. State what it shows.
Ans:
5.21.39
